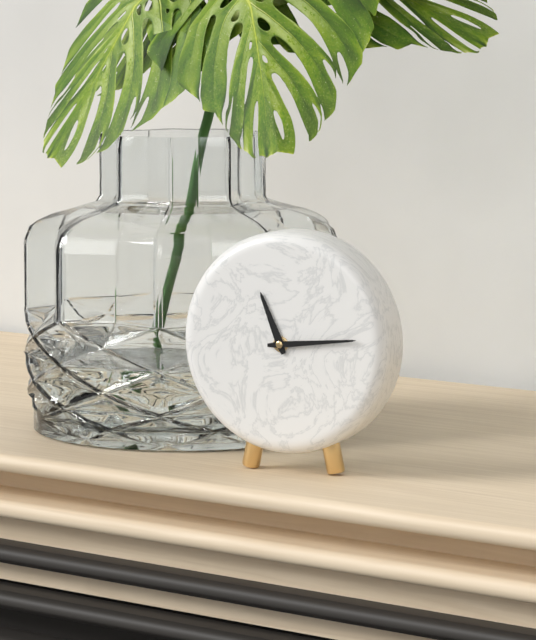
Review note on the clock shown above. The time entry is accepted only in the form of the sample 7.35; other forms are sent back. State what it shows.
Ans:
11.14
